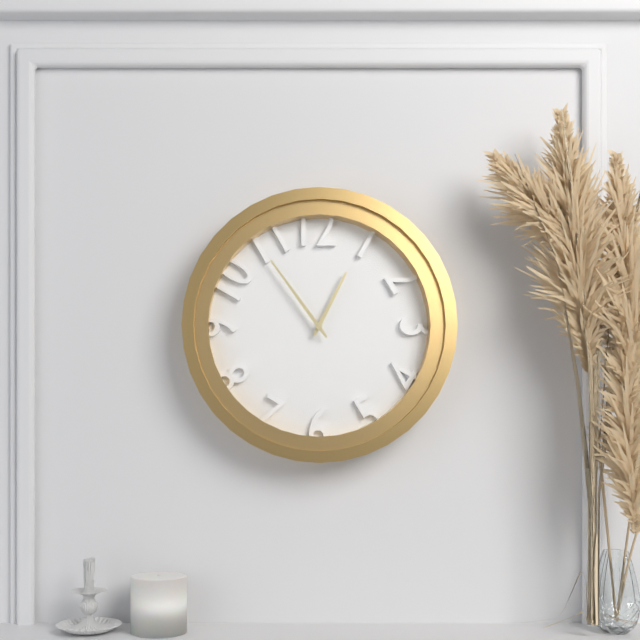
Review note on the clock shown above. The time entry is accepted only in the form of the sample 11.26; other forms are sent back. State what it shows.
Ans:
12.54
